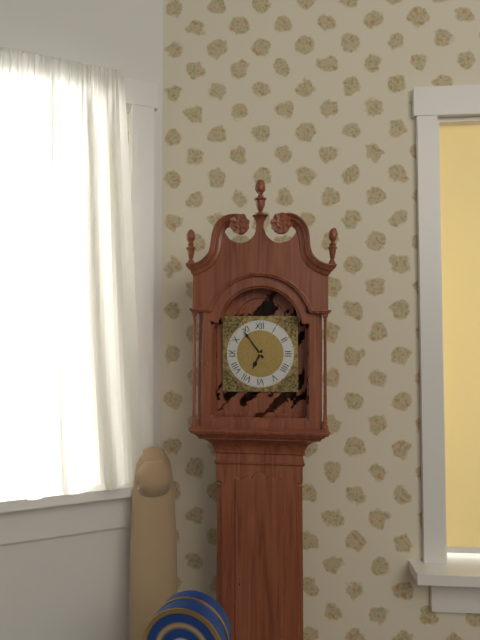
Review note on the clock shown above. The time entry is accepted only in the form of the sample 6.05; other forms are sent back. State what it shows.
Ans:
6.54
